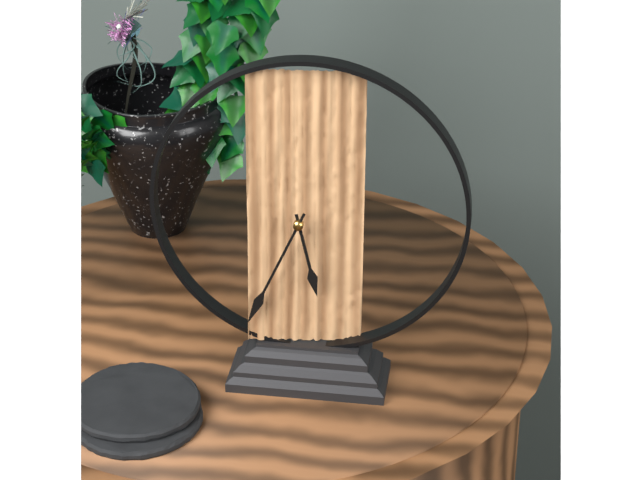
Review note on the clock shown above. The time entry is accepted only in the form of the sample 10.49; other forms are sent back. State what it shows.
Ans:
5.34
